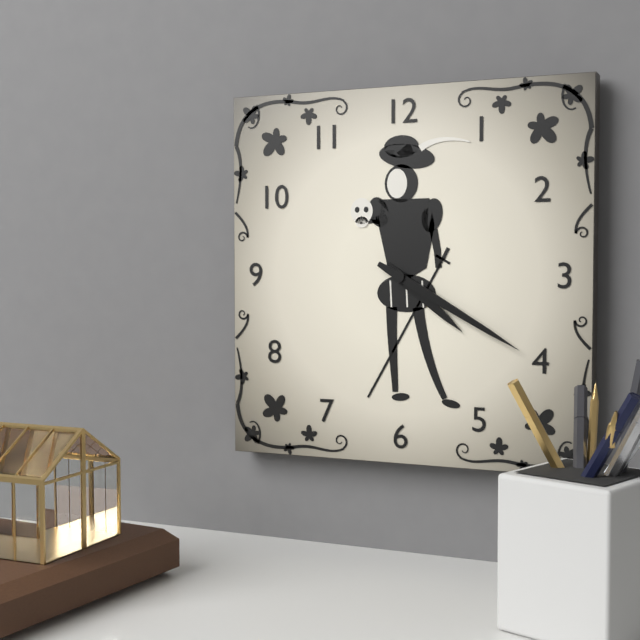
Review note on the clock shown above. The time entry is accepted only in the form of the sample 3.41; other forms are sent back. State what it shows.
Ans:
4.20
